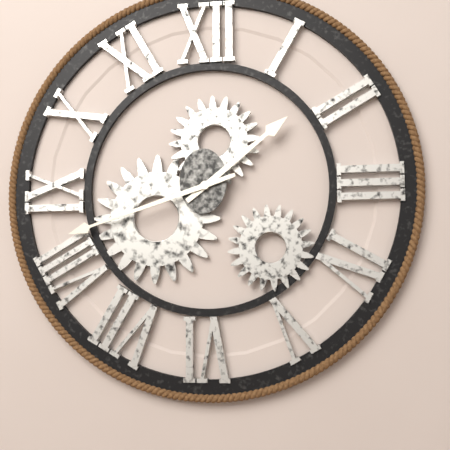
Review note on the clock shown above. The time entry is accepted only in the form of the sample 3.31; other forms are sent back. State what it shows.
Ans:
1.42
